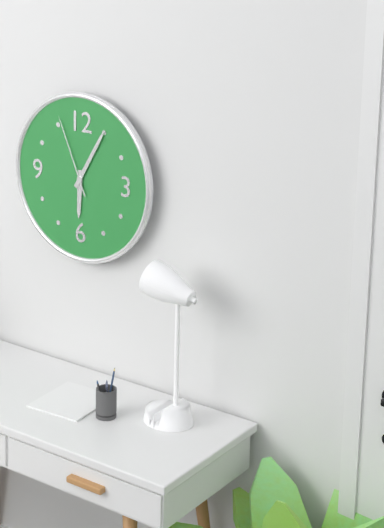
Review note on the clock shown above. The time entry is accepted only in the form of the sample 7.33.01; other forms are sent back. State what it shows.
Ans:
6.05.56
